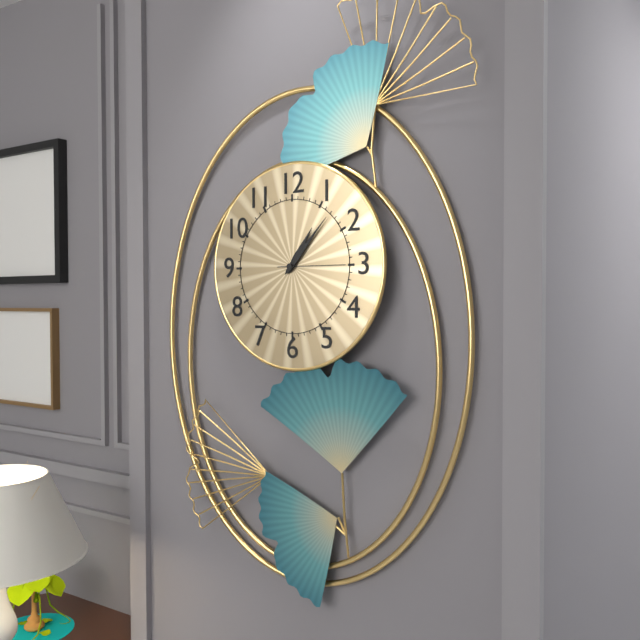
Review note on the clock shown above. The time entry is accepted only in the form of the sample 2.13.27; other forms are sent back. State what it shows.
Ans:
1.07.15
